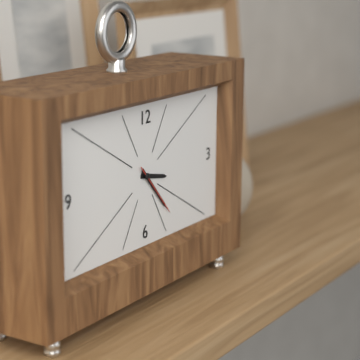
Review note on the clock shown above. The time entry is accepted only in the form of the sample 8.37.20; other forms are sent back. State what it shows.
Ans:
3.23.23
